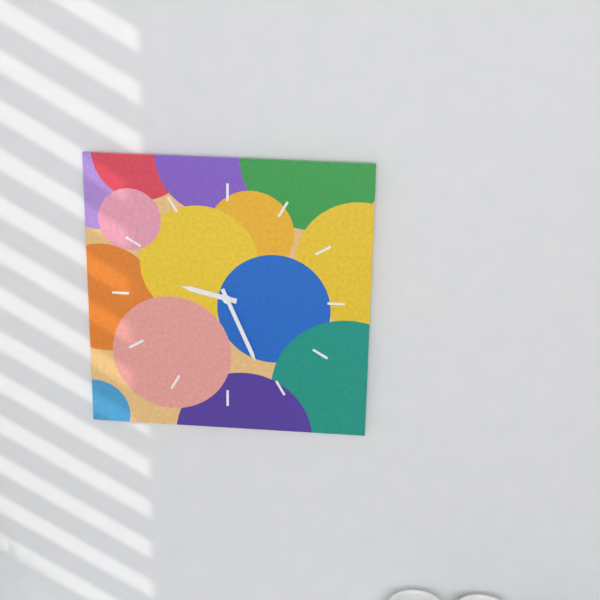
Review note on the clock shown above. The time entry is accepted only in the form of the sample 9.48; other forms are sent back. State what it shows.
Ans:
9.26
